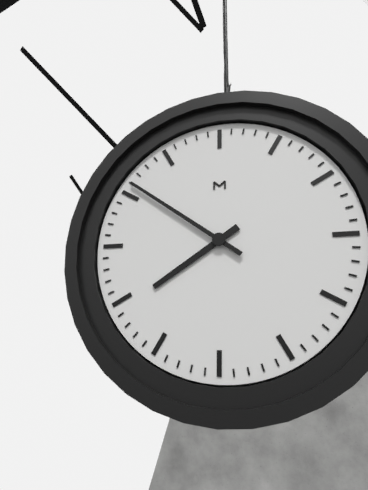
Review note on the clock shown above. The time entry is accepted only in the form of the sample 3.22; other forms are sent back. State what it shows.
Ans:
7.51
